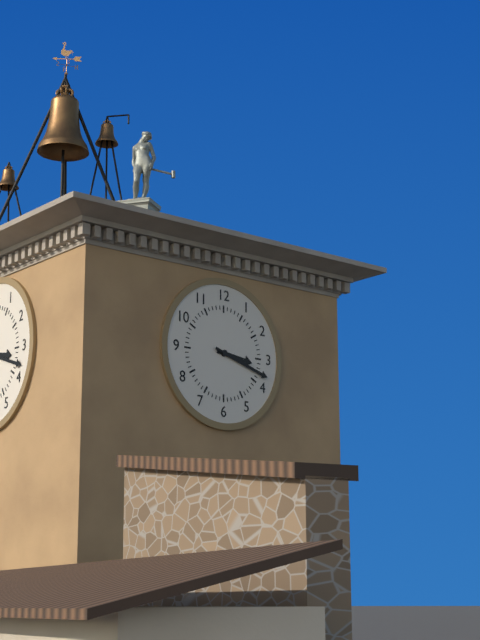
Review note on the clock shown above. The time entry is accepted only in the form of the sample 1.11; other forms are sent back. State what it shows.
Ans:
3.18
